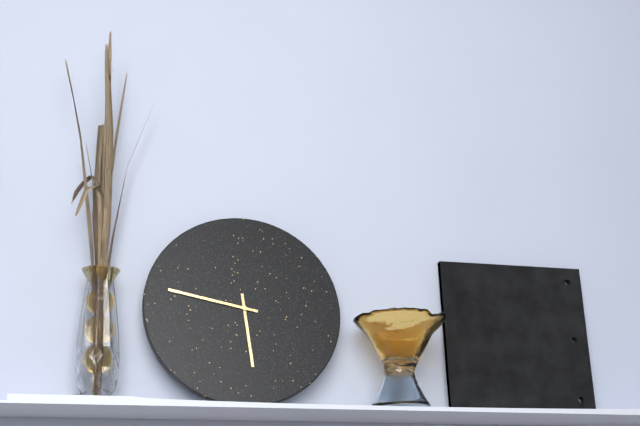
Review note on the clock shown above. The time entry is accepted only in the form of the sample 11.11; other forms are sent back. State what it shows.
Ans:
5.47
